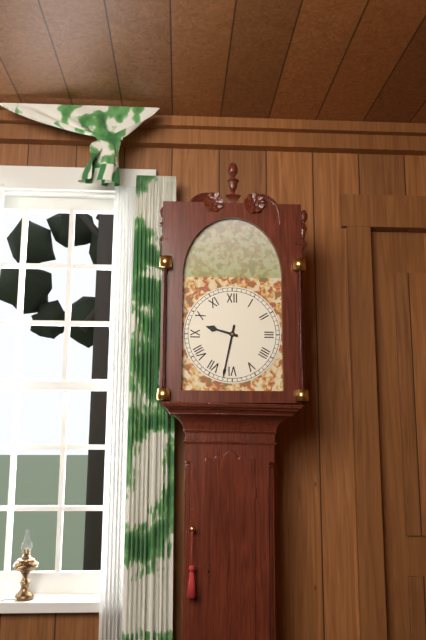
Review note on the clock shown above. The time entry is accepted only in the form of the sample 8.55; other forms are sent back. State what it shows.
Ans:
9.32
